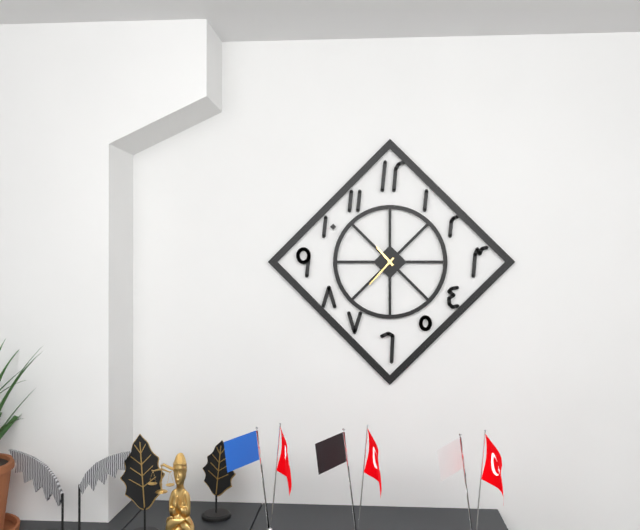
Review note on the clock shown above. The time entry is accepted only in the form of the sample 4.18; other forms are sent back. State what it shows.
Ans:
10.37
